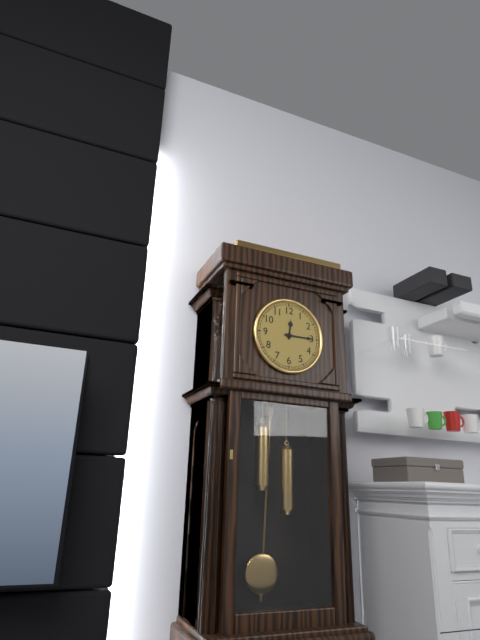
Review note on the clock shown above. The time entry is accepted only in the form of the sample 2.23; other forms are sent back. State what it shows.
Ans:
12.15
